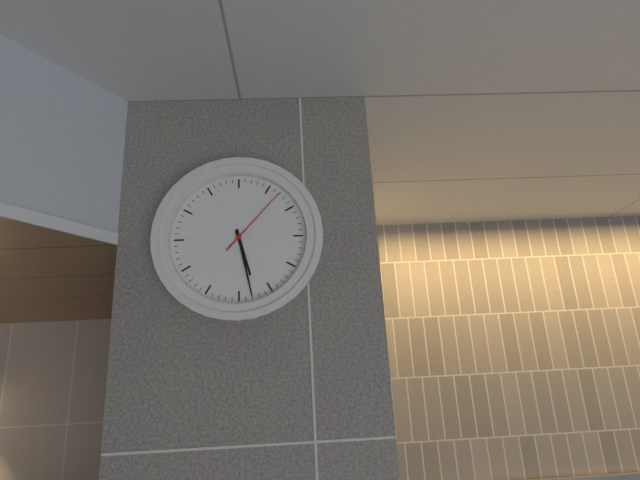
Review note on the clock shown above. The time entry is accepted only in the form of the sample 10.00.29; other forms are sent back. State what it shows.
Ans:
5.28.07
